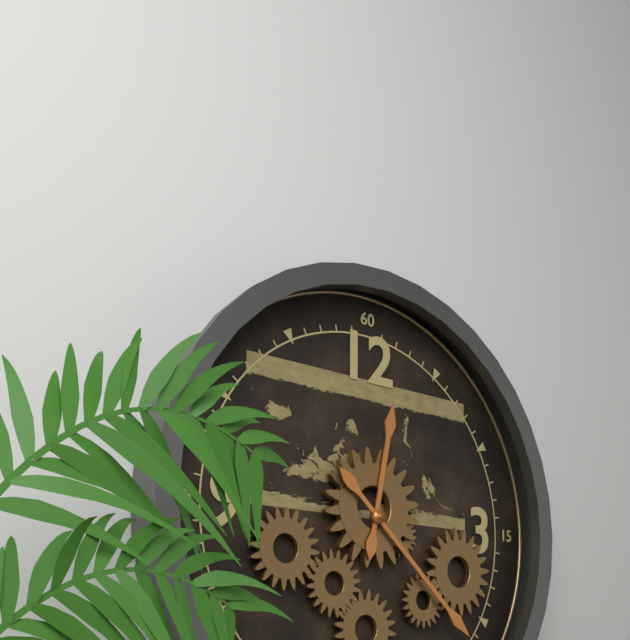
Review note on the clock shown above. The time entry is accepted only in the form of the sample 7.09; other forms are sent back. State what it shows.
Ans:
12.22
